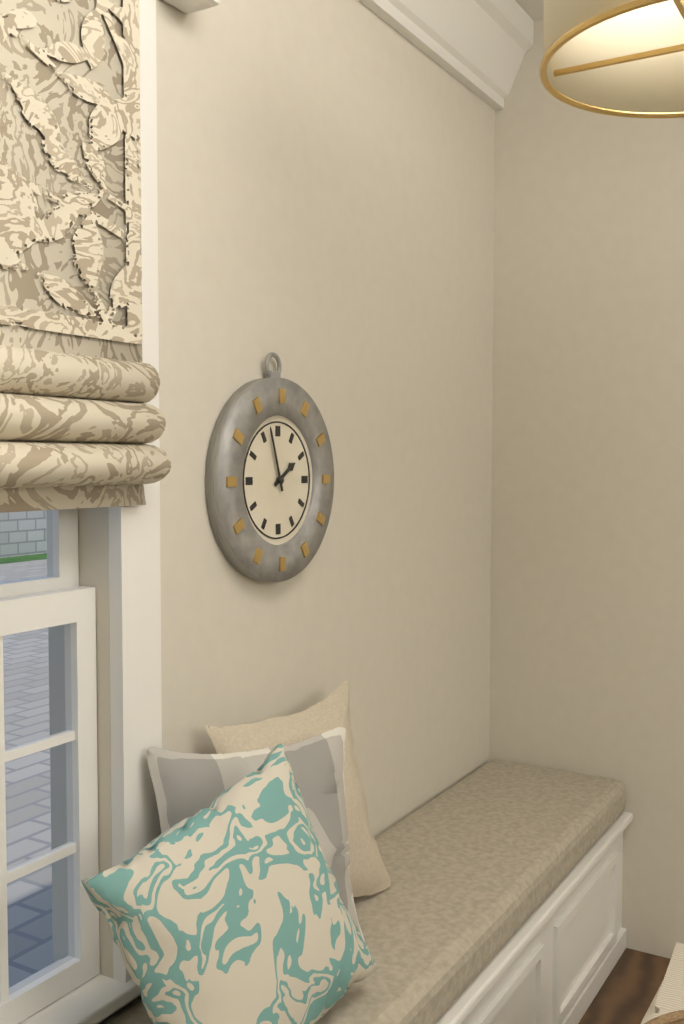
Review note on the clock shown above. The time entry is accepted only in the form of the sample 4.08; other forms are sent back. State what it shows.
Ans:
1.57
